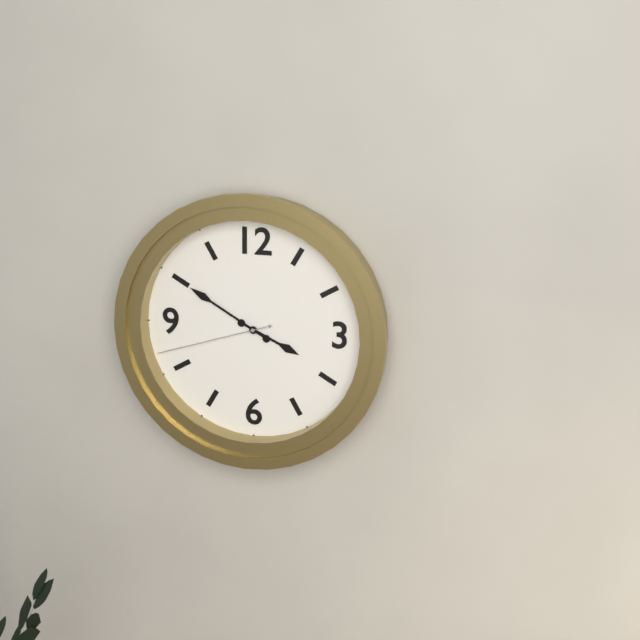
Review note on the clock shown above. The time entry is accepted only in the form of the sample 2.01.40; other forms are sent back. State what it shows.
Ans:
3.50.42
